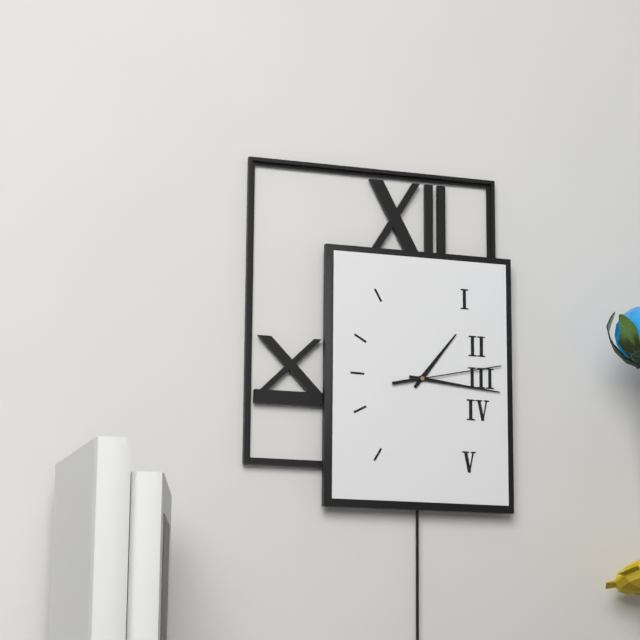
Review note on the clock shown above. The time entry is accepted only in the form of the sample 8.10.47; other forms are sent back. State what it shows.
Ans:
1.16.13
